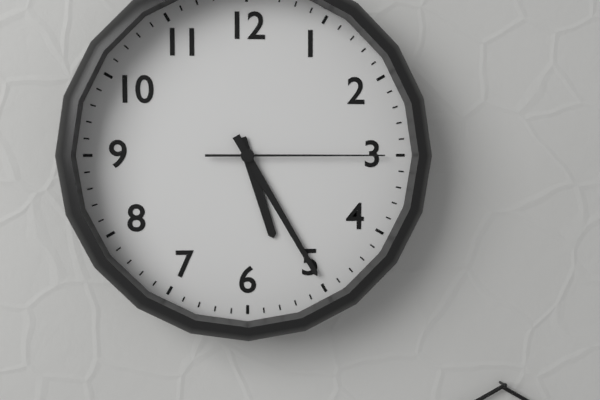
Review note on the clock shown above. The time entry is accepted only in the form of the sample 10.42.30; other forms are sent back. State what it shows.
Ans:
5.25.15
